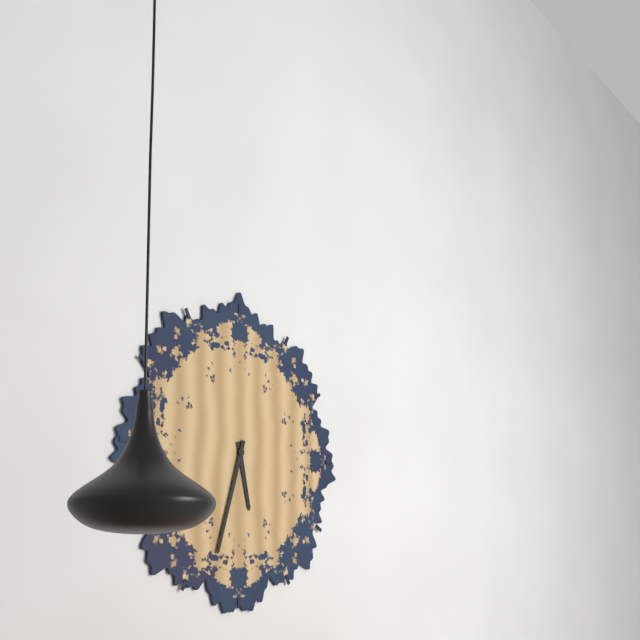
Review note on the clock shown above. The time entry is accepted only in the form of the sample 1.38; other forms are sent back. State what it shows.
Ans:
5.33
